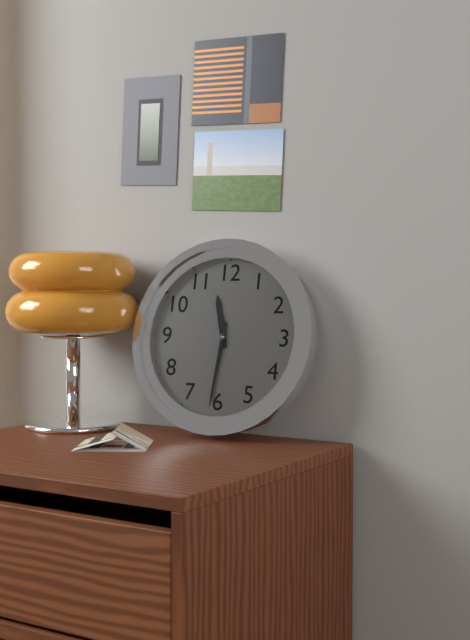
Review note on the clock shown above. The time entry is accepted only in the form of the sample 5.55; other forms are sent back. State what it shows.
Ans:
11.31
